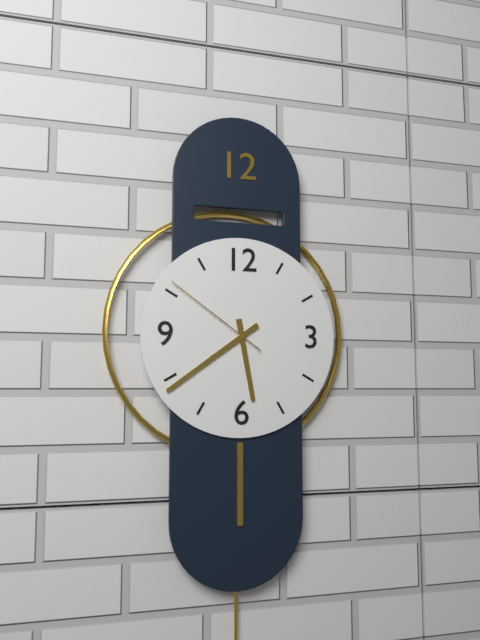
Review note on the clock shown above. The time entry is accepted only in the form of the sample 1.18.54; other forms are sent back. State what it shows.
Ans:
5.39.51
